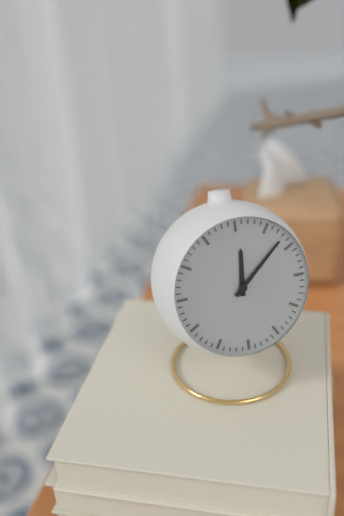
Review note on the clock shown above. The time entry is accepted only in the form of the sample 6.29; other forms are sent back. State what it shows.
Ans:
12.08
